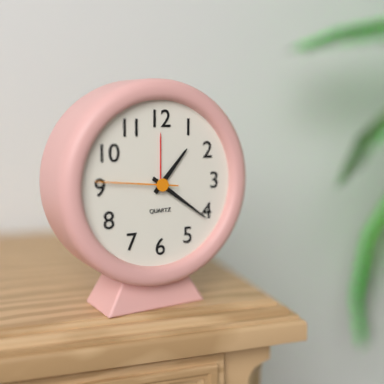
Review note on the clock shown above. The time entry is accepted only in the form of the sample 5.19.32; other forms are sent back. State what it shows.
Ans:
1.21.46
